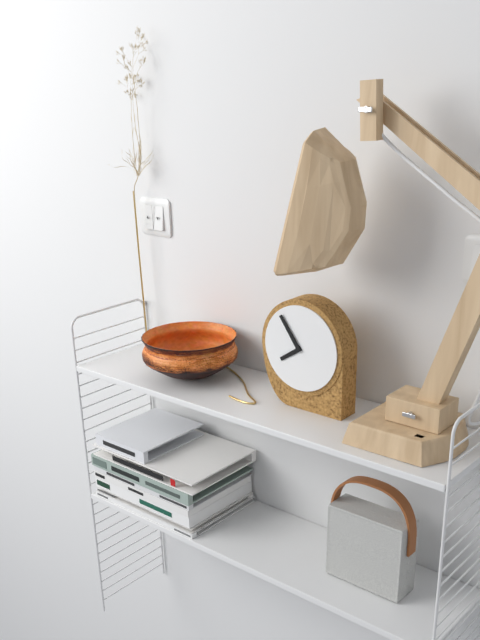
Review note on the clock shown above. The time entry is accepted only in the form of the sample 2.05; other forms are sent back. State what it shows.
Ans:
7.54
